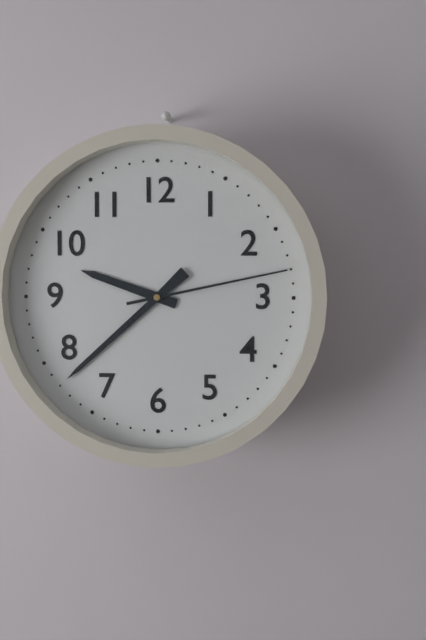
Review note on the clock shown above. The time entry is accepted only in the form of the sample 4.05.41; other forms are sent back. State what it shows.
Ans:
9.38.13
